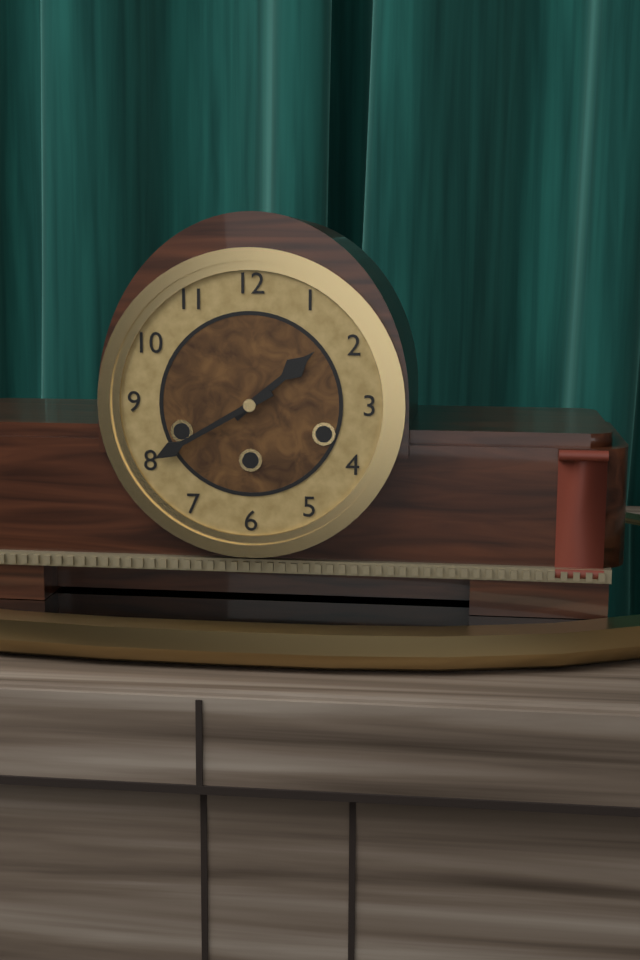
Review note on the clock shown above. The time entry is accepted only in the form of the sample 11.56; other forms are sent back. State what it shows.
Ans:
1.40
